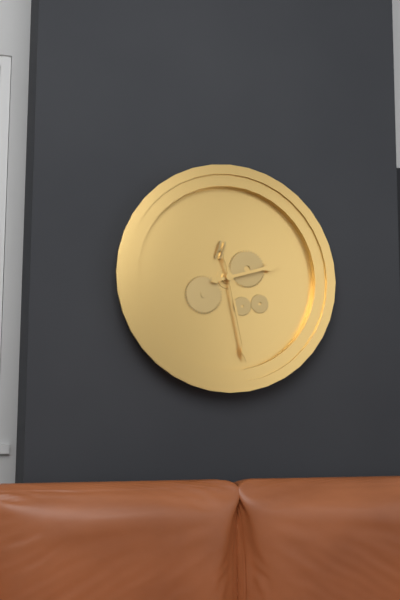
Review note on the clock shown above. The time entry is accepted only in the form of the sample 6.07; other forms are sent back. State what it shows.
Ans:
2.28
